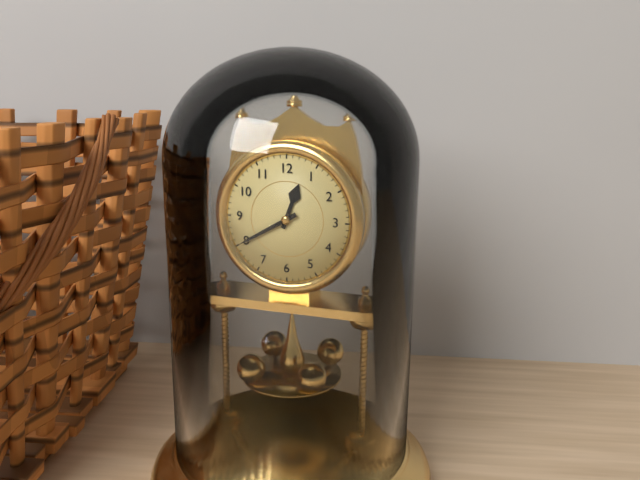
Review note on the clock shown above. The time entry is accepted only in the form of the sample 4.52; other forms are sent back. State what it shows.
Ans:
12.40
